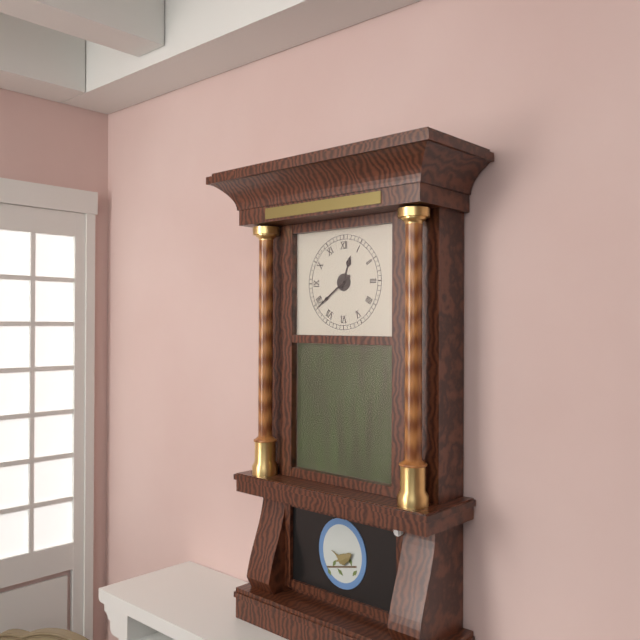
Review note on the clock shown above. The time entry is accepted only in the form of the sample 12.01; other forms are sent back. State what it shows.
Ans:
12.39
